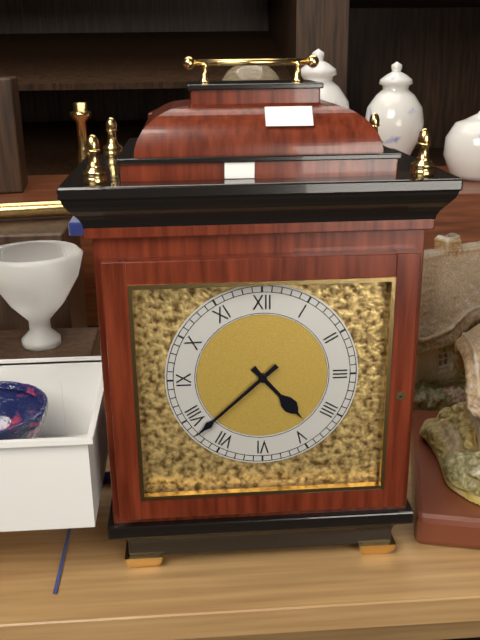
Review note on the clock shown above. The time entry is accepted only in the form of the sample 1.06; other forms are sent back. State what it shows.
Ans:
4.38
